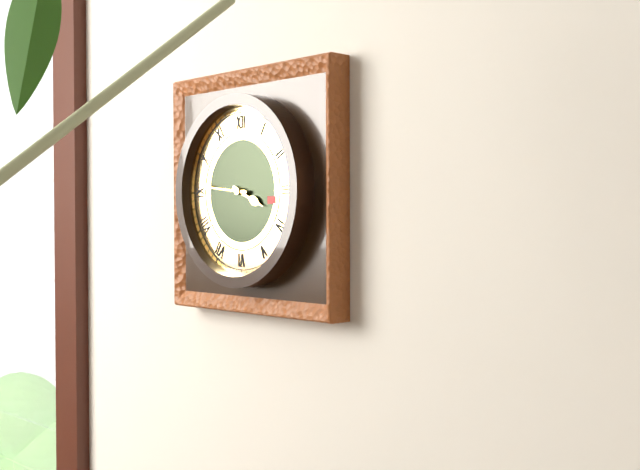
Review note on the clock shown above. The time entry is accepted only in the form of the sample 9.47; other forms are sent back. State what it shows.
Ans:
3.46
